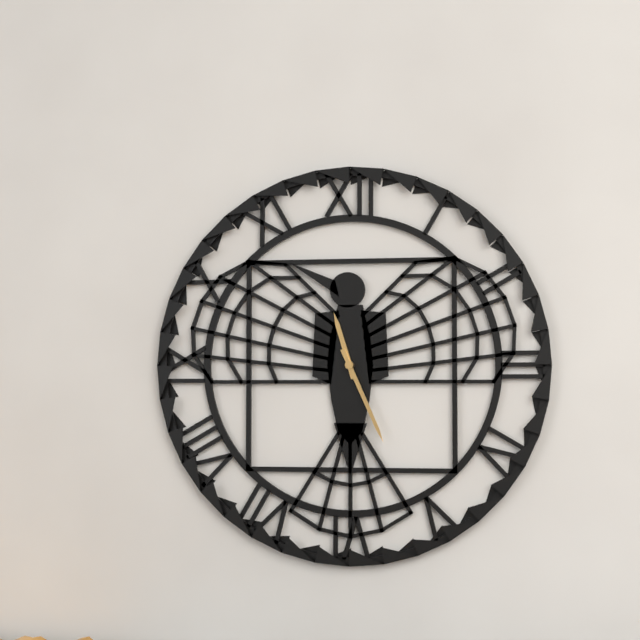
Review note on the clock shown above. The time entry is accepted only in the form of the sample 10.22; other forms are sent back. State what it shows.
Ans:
11.26
